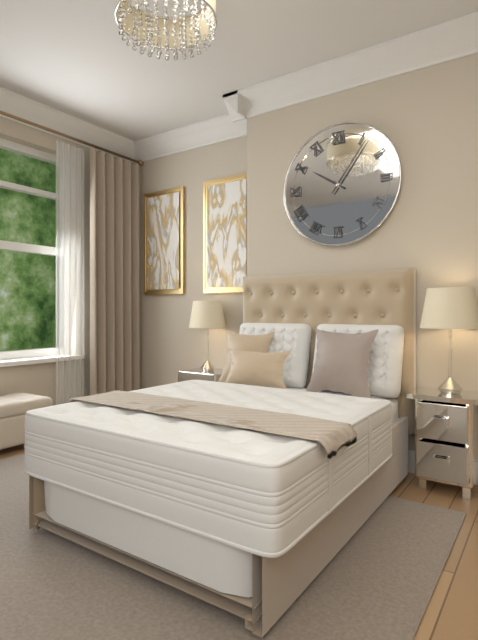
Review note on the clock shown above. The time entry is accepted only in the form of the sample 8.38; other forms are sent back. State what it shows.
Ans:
10.06
